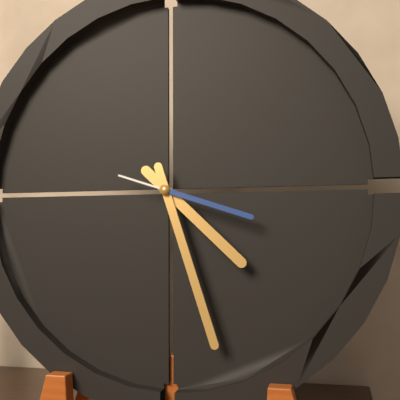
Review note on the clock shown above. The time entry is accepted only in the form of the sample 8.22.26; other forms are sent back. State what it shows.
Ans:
4.27.18
